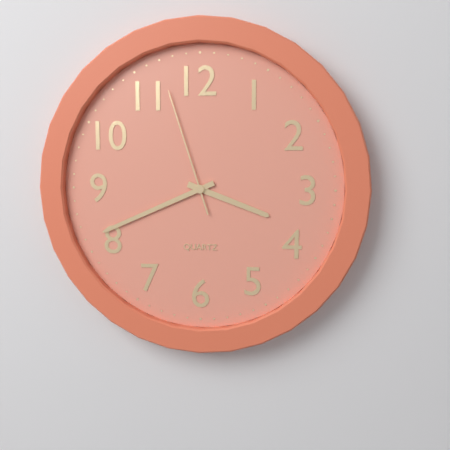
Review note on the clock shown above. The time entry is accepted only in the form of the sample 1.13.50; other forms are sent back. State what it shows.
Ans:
3.41.57
